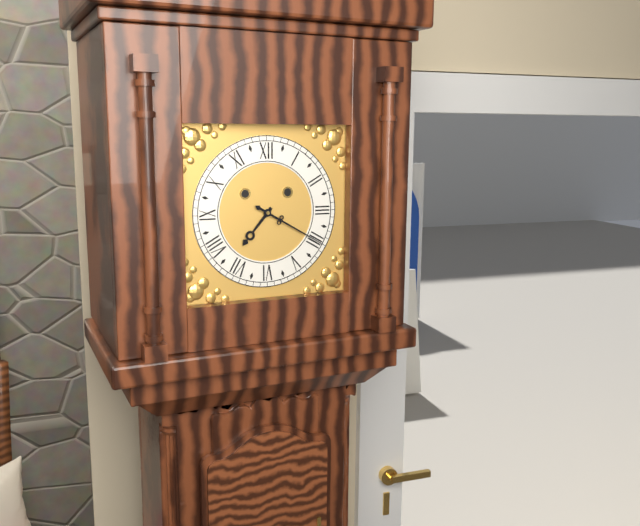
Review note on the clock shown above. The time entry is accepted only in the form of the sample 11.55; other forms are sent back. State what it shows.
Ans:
7.20
